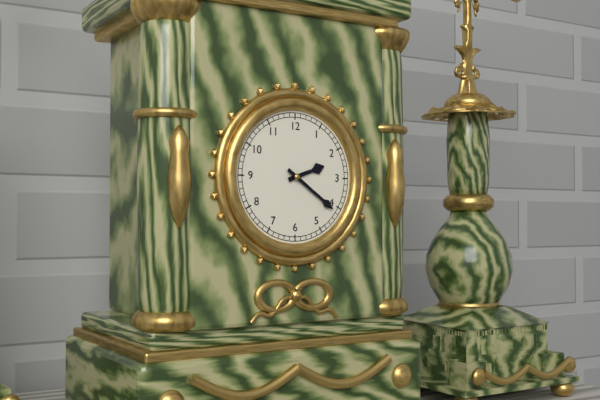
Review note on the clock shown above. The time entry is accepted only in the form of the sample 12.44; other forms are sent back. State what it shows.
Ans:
2.21
